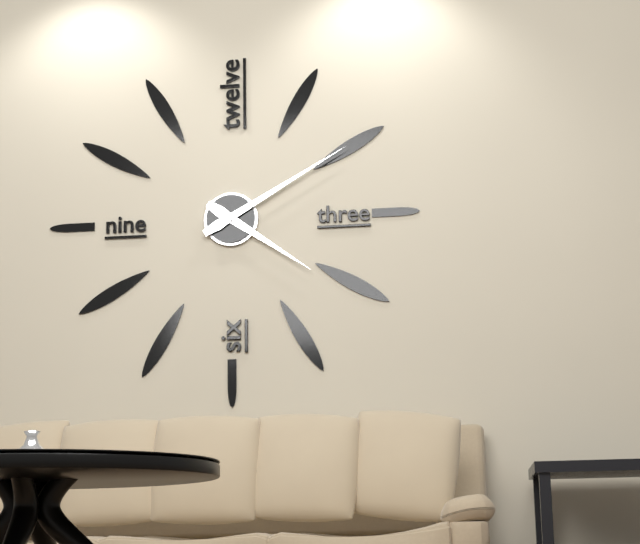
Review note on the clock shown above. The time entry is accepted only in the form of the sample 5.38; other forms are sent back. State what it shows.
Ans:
4.10
